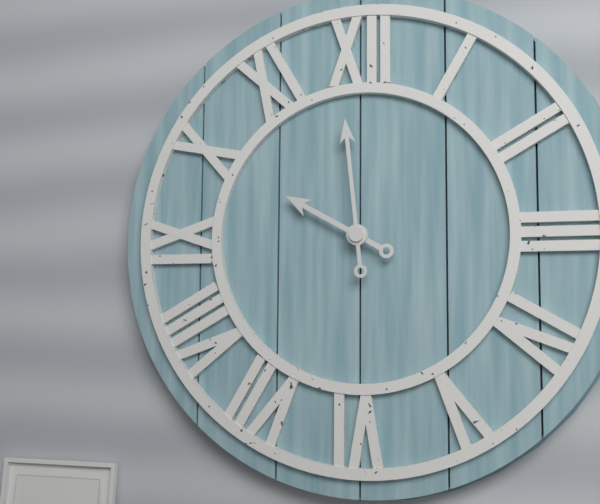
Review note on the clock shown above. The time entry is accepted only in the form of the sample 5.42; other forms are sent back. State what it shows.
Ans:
9.59
